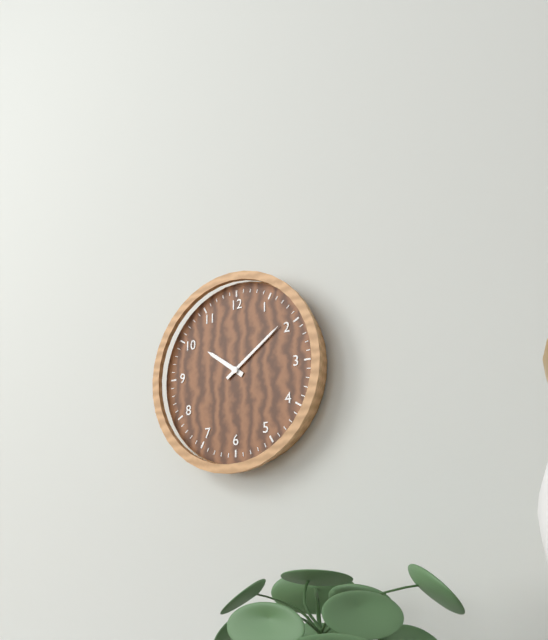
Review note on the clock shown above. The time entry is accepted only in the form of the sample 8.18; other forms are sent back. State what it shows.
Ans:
10.09
